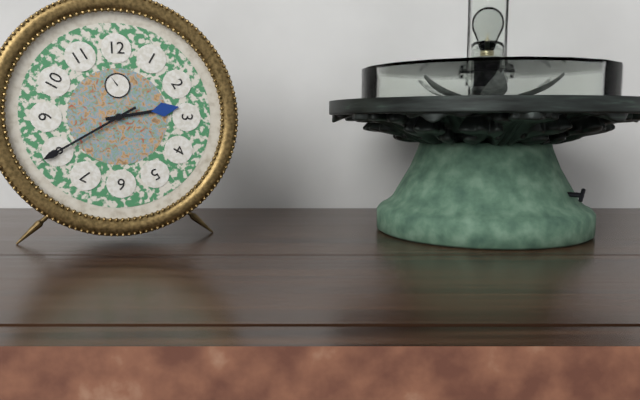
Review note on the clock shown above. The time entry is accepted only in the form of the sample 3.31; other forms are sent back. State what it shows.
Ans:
2.40
